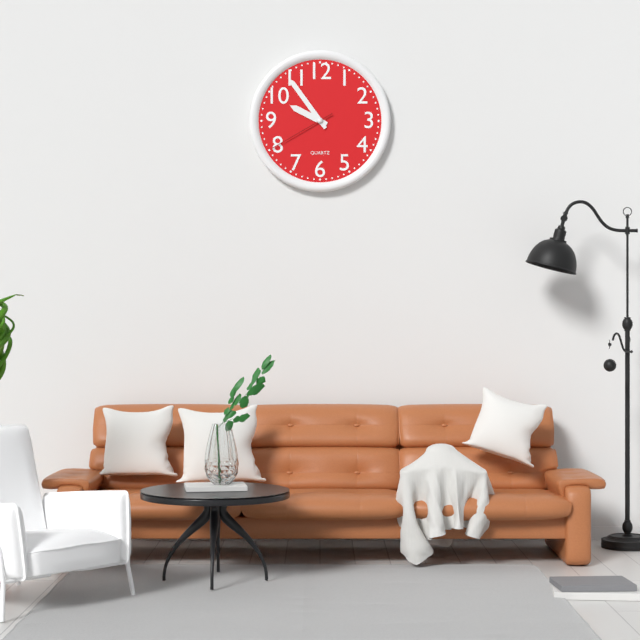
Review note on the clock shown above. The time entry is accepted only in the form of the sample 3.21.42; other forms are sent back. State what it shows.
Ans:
9.54.40
